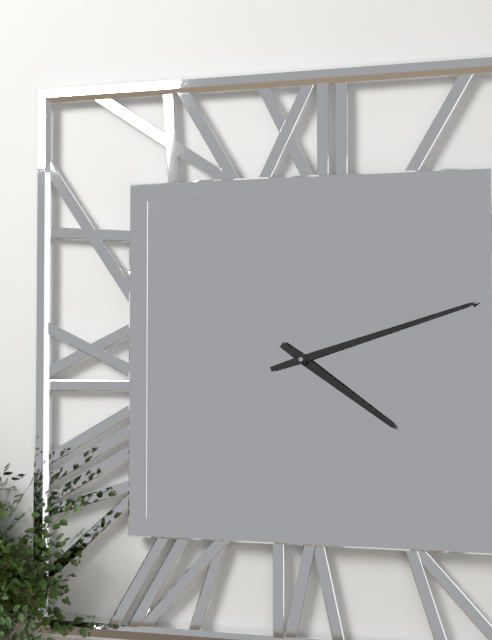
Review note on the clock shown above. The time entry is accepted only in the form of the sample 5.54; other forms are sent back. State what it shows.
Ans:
4.12
